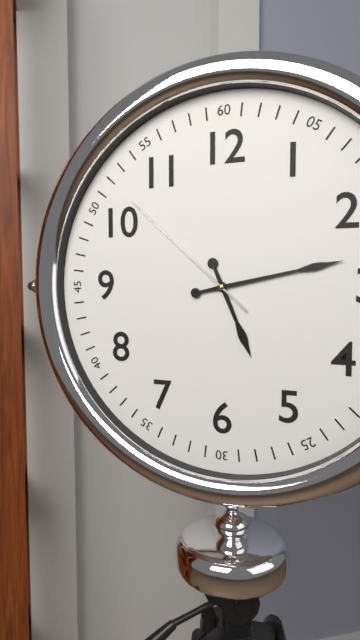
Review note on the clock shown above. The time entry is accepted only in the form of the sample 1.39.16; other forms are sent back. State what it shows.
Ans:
5.13.52
